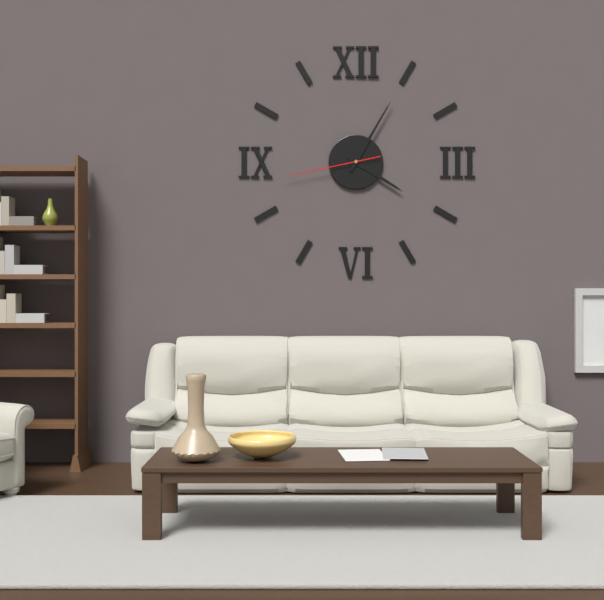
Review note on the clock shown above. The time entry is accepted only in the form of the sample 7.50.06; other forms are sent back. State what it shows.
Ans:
4.05.43
